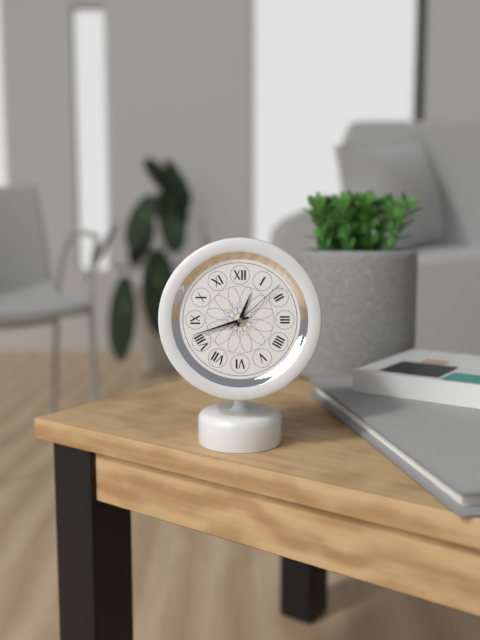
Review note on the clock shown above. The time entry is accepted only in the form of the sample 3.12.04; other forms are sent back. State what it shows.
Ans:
12.42.08
